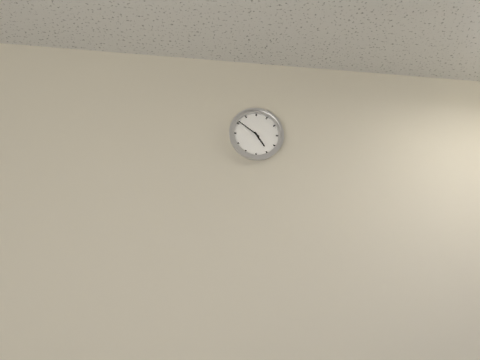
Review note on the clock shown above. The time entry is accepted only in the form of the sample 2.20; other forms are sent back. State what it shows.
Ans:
4.51
